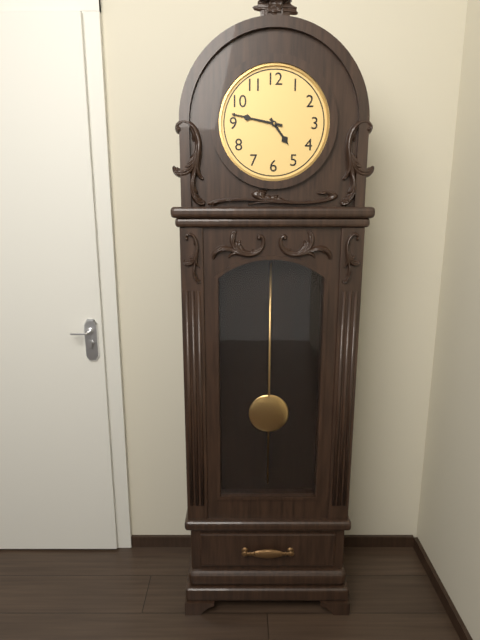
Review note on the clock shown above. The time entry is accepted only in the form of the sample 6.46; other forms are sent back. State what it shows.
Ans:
4.47
